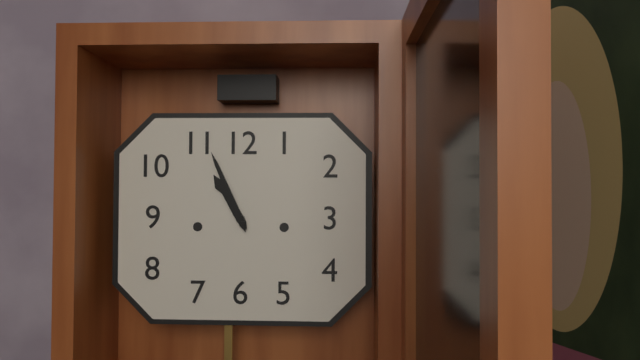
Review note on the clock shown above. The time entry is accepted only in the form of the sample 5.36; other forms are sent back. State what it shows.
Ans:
10.56
